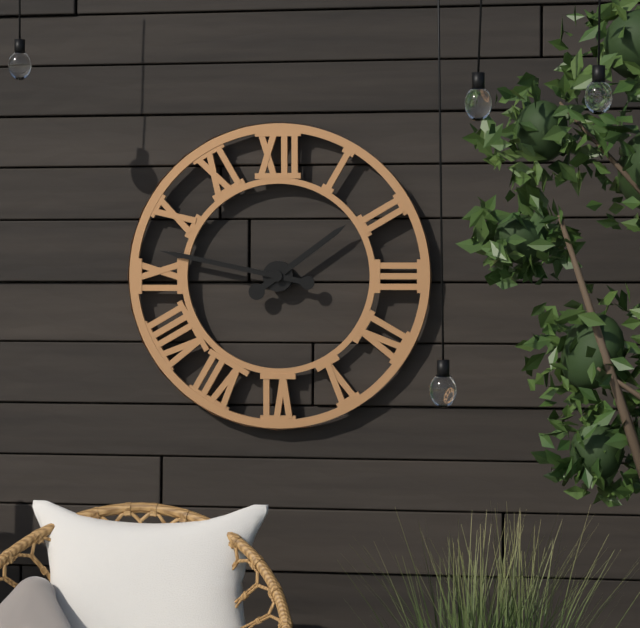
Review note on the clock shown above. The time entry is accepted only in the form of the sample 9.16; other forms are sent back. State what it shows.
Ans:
1.47
